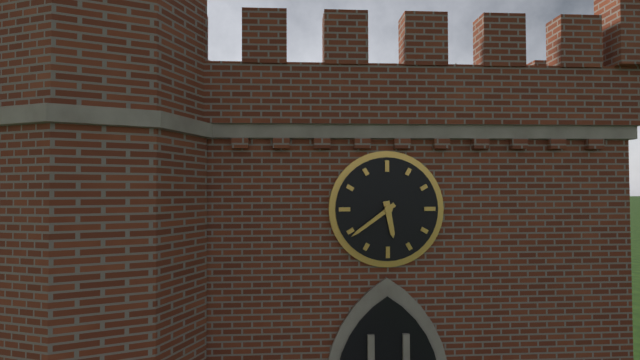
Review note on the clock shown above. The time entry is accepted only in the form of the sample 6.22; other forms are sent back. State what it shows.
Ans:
5.39
